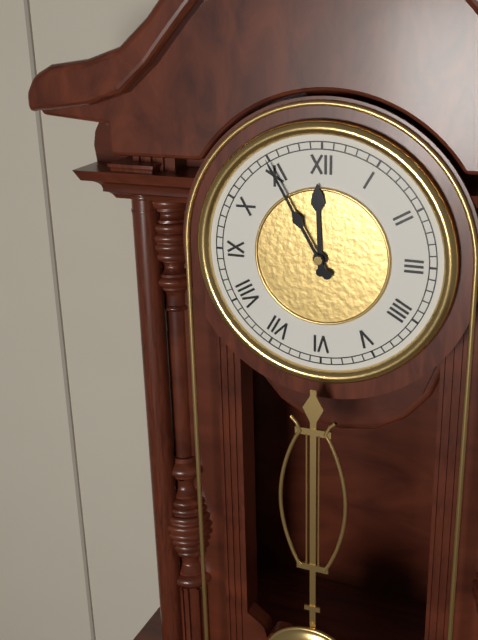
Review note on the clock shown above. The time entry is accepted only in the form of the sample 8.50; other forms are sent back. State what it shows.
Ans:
11.55
